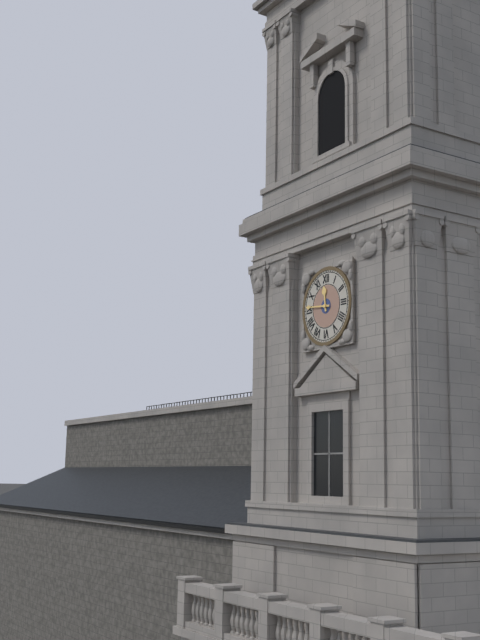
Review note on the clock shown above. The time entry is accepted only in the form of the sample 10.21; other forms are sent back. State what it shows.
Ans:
11.46
